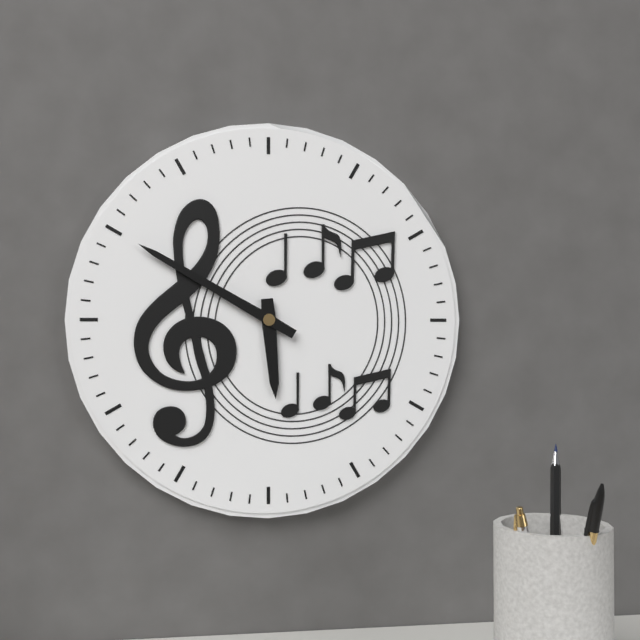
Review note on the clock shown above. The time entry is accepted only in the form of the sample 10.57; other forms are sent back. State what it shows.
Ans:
5.50
